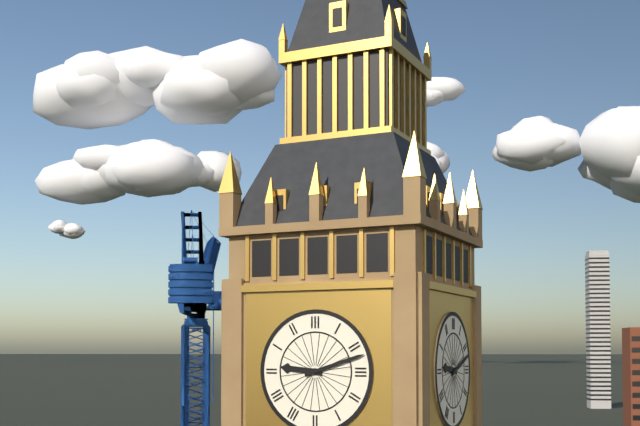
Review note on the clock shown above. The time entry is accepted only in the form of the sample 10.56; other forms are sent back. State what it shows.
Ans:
9.12
